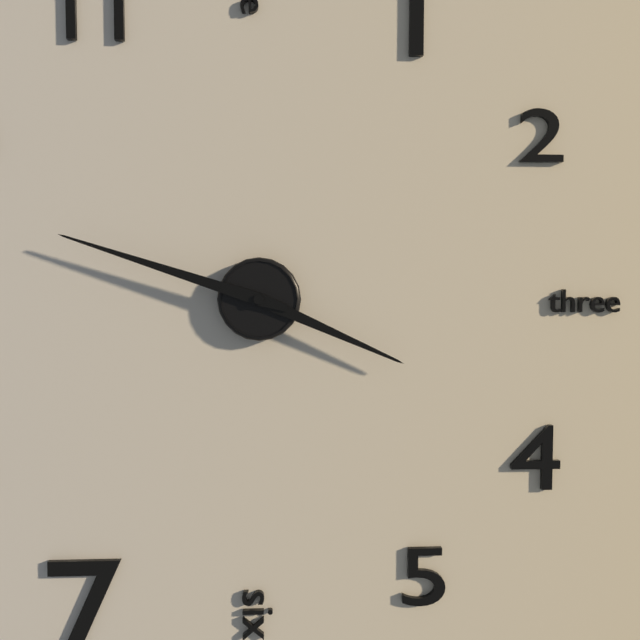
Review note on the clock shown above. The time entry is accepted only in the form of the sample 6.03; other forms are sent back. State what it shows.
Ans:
3.48
